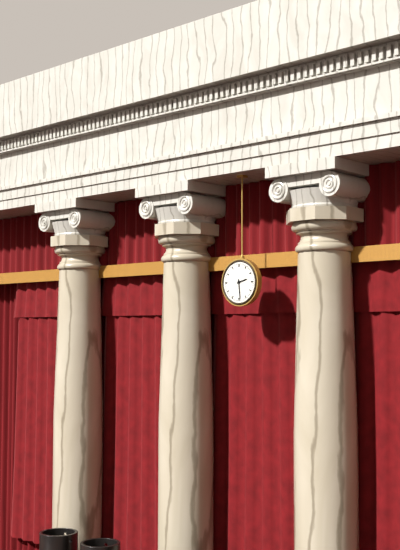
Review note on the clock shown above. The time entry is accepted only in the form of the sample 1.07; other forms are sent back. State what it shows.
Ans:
2.29
